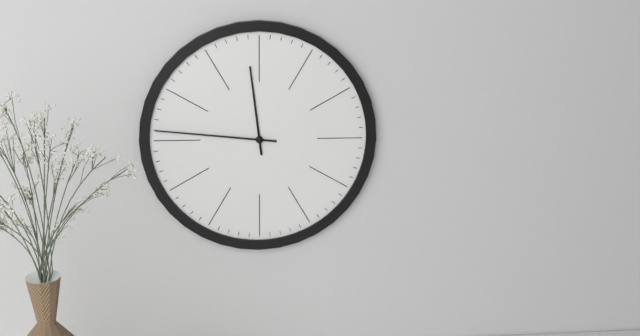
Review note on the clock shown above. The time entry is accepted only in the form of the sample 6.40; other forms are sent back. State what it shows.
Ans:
11.46
